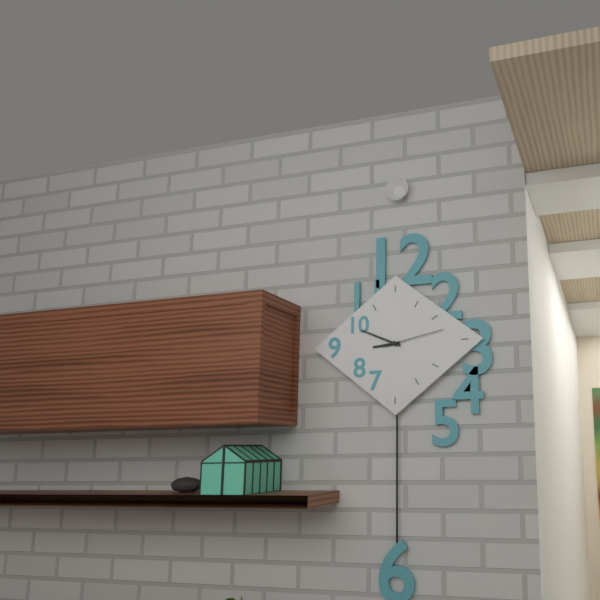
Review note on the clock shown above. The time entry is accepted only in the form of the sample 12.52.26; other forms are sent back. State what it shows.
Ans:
8.49.13
